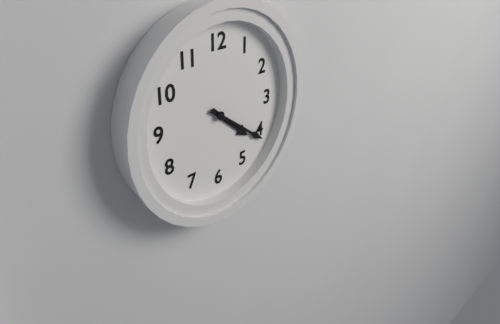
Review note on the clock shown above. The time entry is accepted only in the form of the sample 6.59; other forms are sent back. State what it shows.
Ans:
4.21
